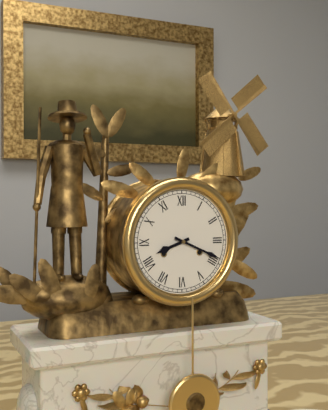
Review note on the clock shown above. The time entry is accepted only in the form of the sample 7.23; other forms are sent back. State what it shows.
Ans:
8.19
